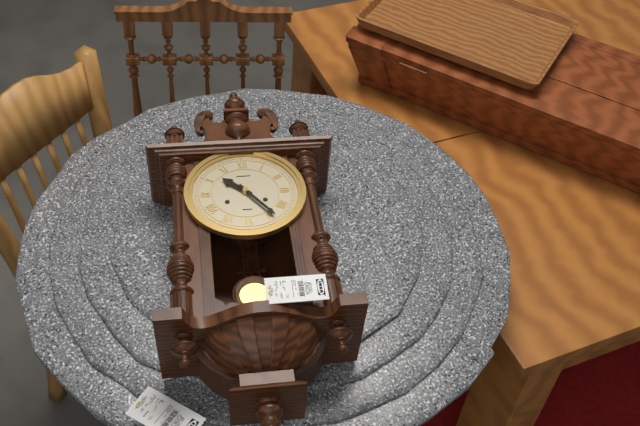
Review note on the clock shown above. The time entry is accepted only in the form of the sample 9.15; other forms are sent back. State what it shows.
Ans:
10.24
